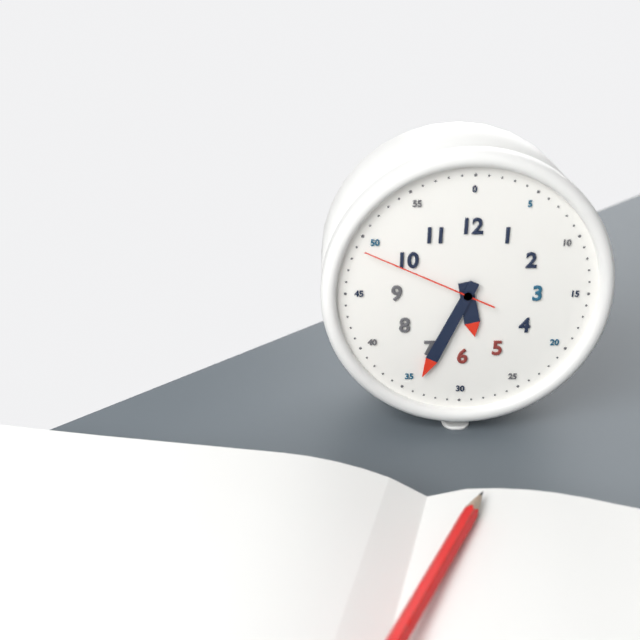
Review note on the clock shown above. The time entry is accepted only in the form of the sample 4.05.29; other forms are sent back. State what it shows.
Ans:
5.34.49
